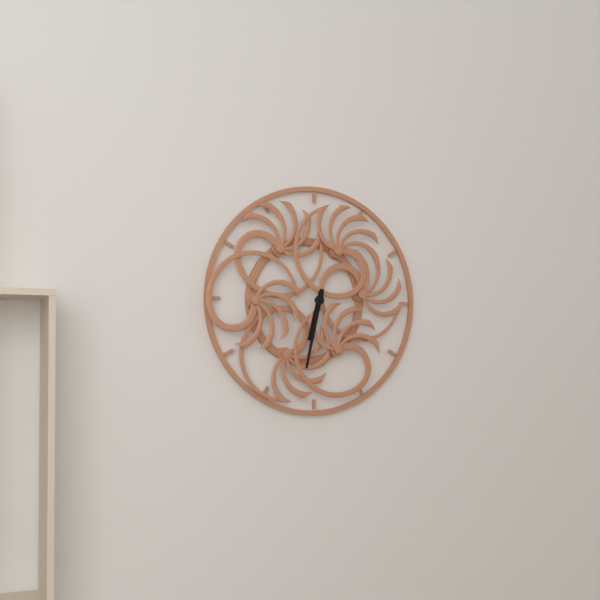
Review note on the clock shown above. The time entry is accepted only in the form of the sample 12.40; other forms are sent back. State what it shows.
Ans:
6.32
